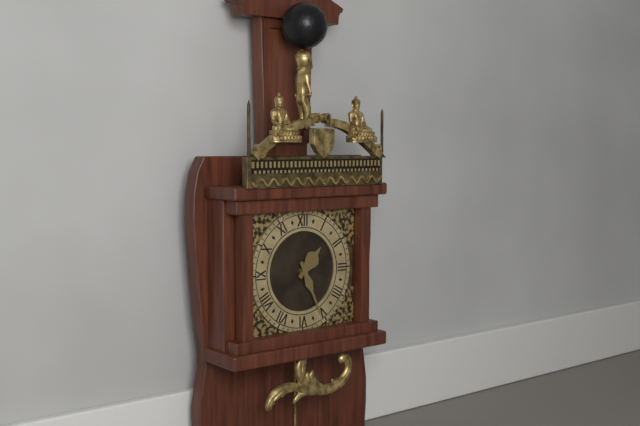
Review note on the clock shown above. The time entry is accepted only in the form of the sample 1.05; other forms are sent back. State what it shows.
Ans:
1.26
